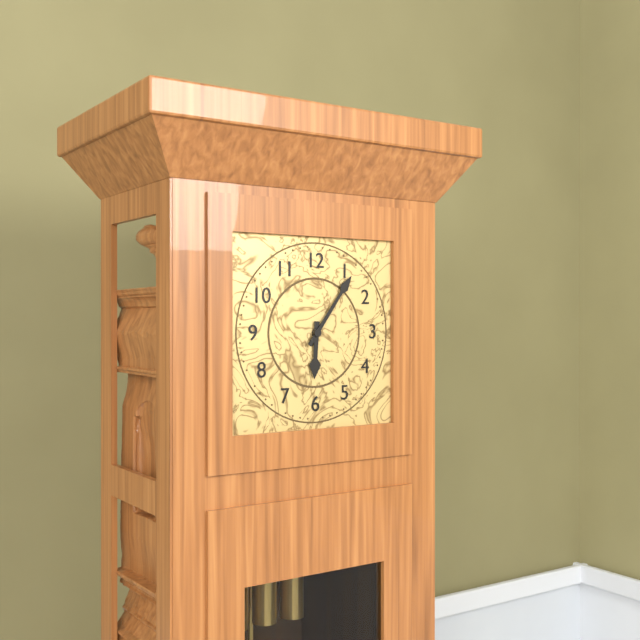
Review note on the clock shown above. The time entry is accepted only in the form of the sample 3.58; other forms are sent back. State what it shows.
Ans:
6.06
